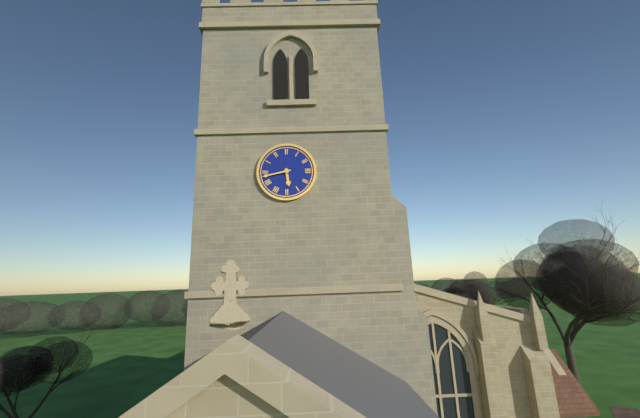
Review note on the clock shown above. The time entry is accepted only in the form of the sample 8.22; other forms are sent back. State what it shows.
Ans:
5.43
